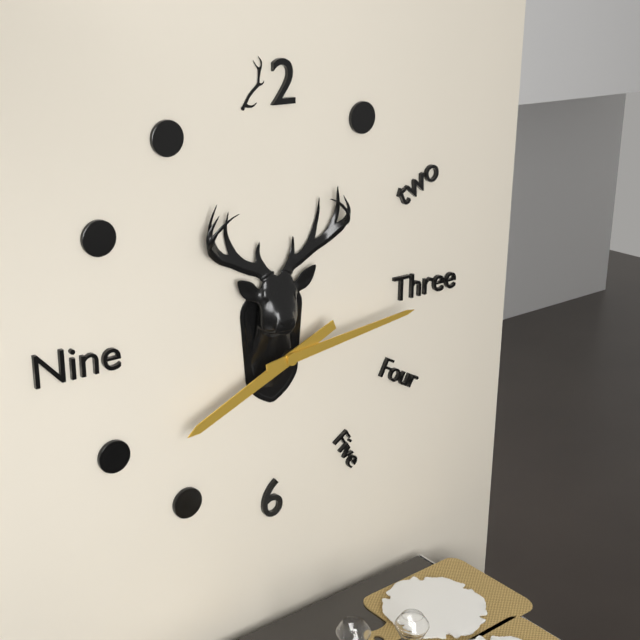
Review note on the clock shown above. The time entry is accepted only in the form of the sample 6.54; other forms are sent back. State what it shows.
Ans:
8.14
